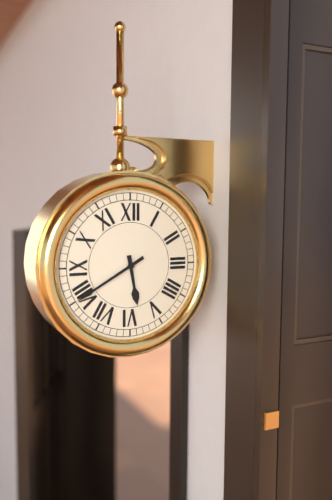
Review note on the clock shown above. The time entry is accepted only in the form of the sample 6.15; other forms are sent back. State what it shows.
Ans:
5.40
